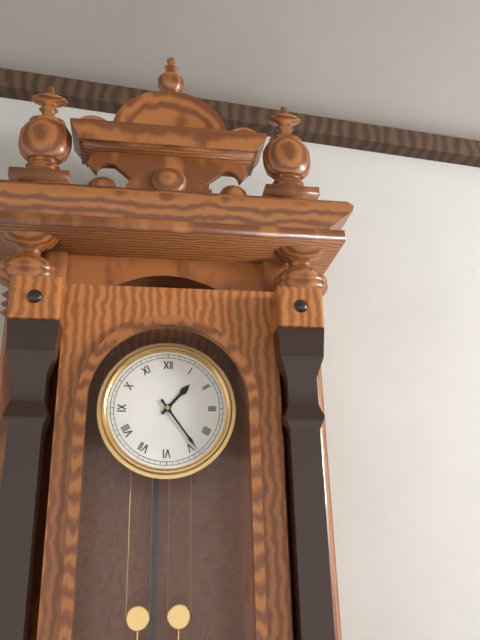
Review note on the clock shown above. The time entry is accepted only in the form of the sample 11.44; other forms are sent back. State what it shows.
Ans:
1.24
